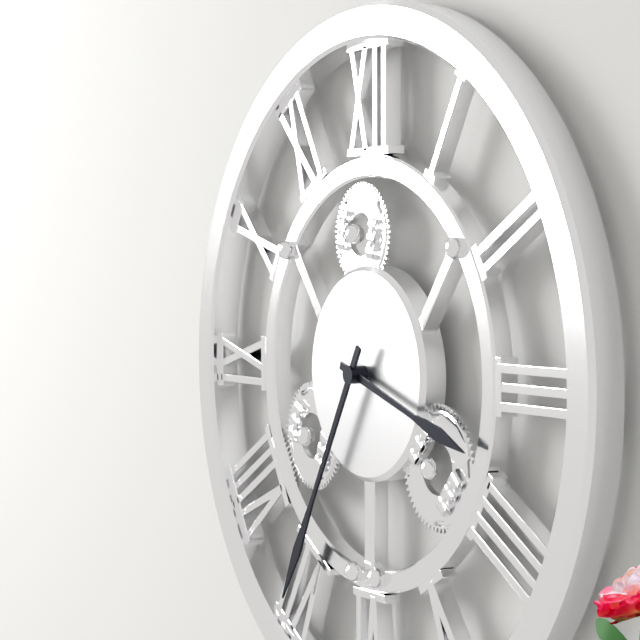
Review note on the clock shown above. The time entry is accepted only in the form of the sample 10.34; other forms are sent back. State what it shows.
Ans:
3.35
